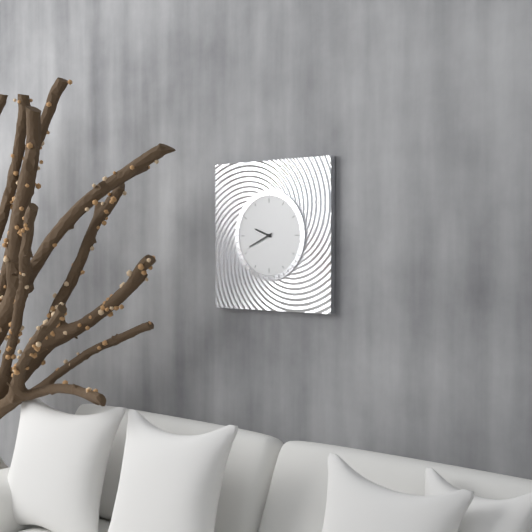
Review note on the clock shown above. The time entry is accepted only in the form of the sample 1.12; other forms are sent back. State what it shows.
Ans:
9.41
